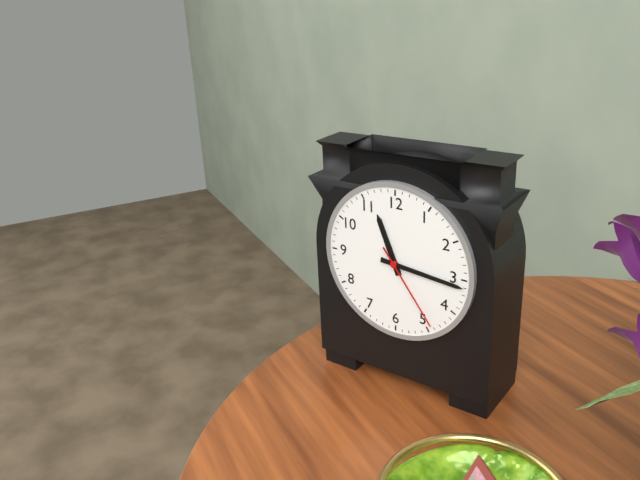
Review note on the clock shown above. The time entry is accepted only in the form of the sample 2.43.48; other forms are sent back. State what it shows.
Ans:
11.16.24
